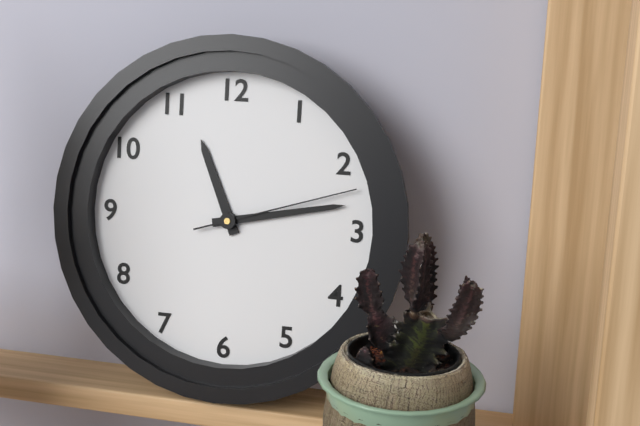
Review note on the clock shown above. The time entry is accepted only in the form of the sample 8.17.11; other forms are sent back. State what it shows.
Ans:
11.13.12
